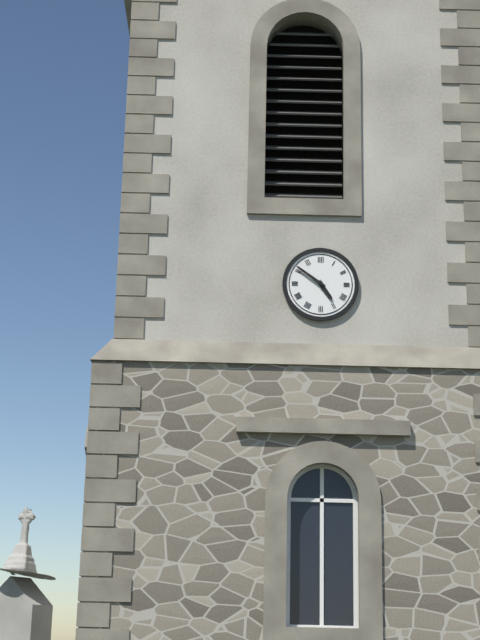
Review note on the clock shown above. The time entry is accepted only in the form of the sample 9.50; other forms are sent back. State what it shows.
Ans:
4.51
